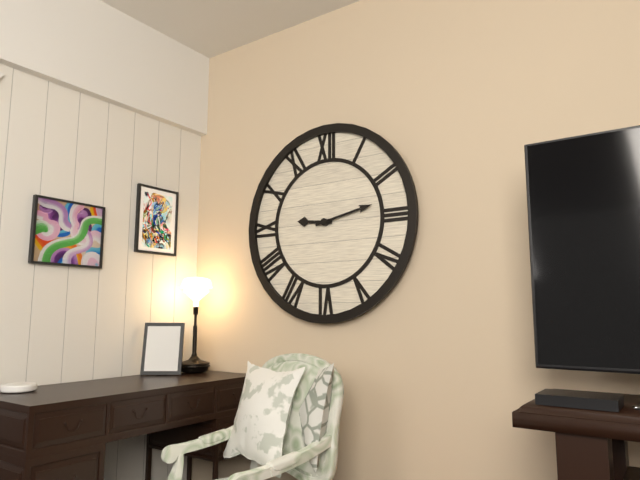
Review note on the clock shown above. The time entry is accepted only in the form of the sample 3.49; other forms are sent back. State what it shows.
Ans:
9.13
